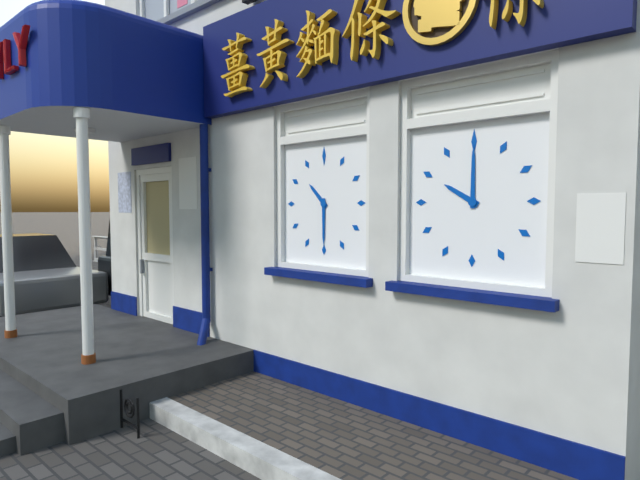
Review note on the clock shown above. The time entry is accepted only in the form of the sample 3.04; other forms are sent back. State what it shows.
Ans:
10.30
